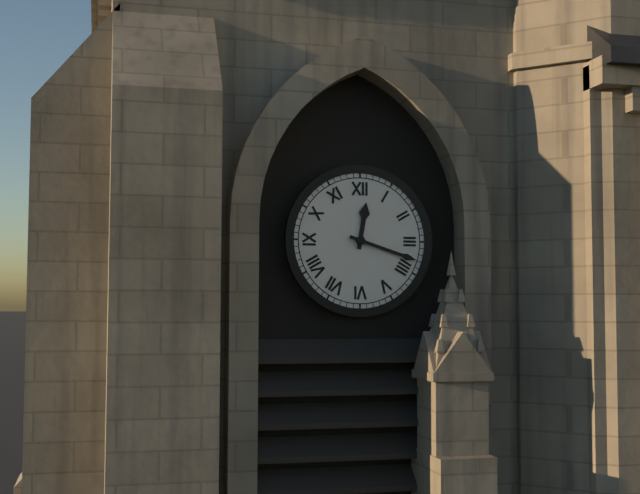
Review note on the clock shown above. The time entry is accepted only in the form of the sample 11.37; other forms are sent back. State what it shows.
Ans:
12.18
